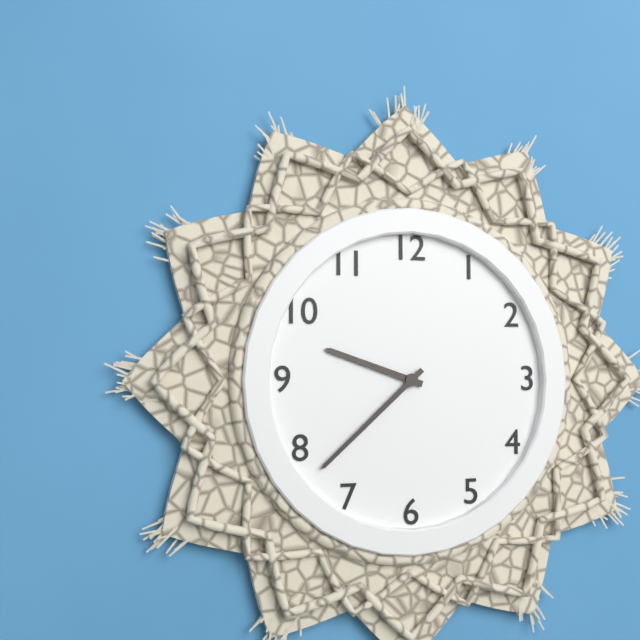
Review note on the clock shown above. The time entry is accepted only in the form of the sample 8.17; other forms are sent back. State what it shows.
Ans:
9.38
